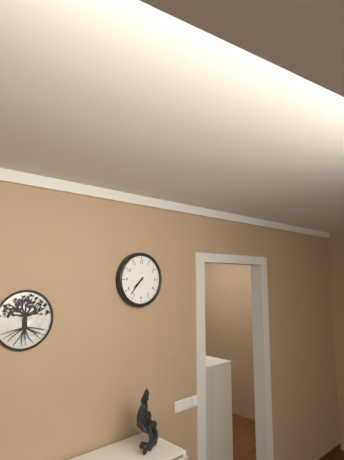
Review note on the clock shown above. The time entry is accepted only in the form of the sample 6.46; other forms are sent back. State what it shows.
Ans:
7.37
